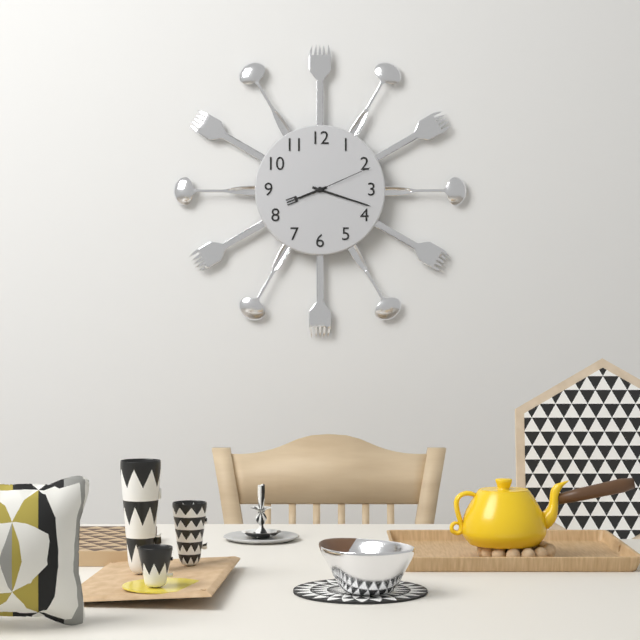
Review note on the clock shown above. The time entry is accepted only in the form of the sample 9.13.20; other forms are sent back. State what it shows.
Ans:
8.18.11
